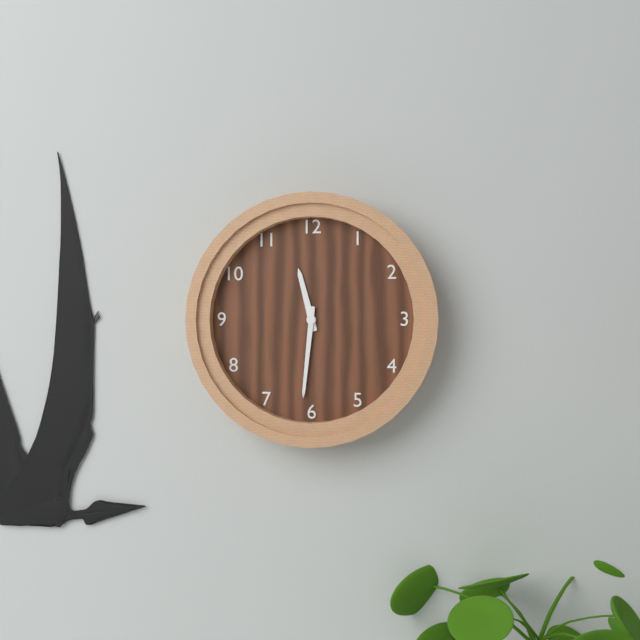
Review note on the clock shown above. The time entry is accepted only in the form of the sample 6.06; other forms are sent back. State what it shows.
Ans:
11.31
